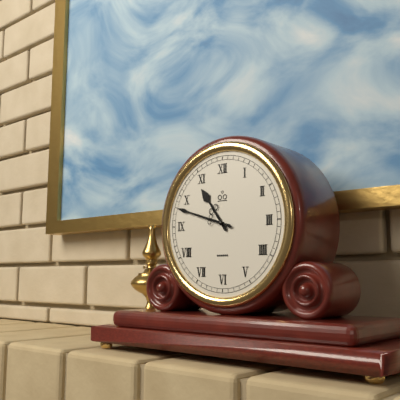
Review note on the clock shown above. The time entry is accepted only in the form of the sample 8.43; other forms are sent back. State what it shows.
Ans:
10.48
